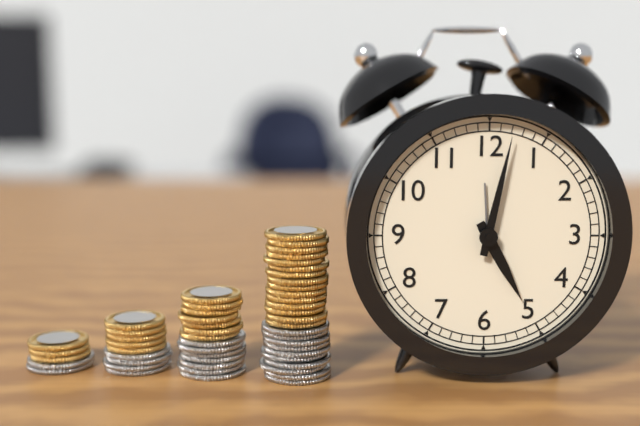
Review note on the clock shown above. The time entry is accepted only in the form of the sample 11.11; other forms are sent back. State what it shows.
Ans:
5.02
